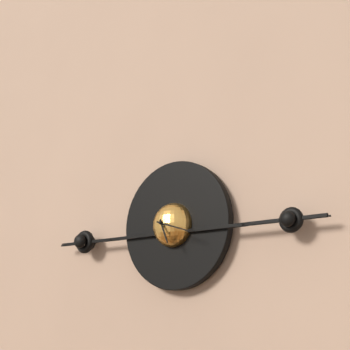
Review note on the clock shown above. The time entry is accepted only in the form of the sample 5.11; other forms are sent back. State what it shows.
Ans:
5.18
